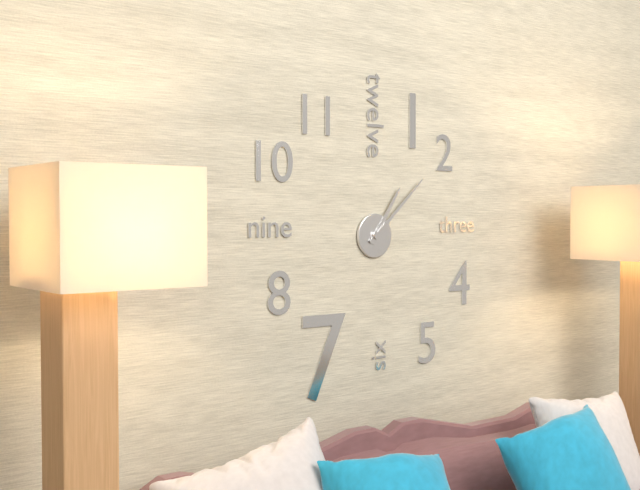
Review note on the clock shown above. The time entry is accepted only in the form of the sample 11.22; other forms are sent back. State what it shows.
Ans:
1.08
